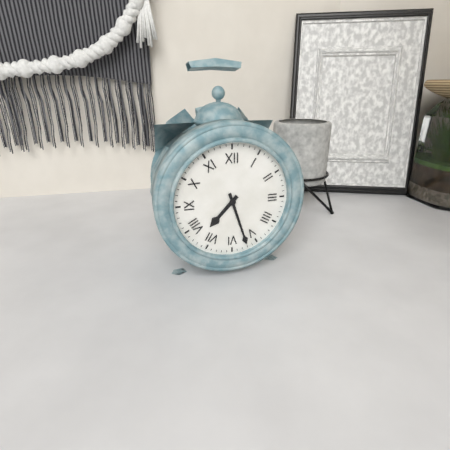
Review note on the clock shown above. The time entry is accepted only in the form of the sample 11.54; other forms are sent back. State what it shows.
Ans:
7.27
